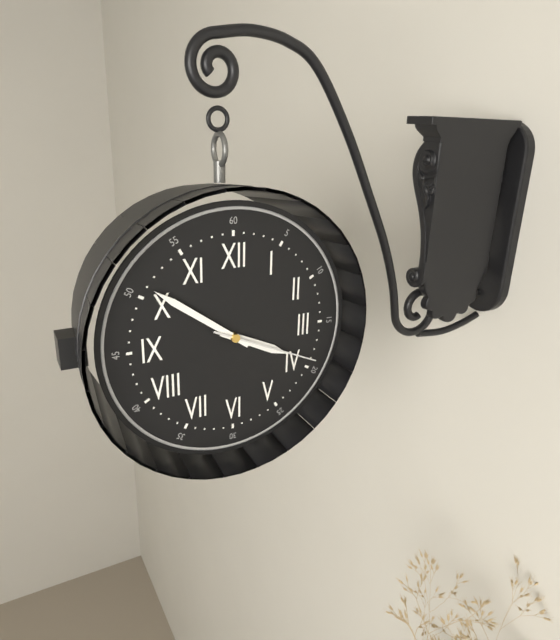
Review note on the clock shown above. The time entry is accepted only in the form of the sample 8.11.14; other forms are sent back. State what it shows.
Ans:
3.51.19
